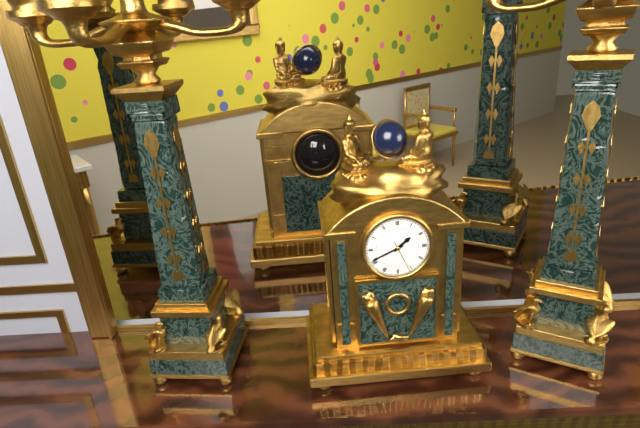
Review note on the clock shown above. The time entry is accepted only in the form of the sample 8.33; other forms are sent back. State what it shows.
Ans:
1.41
